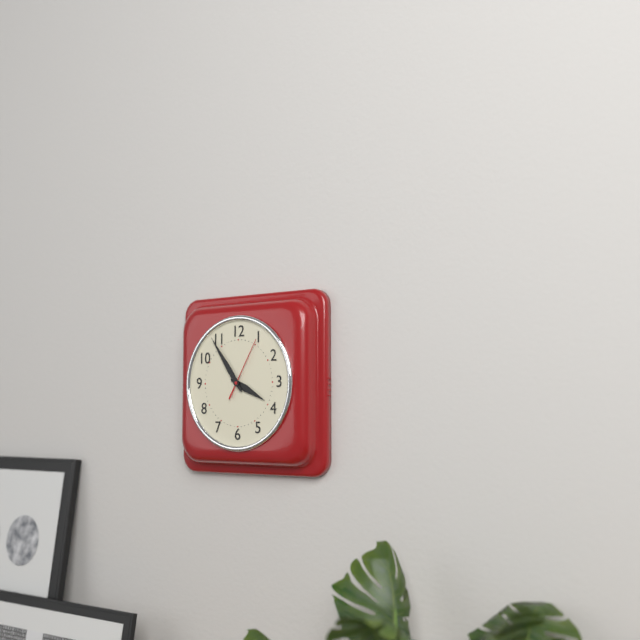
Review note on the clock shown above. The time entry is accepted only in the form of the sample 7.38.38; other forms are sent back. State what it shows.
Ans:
3.54.05
